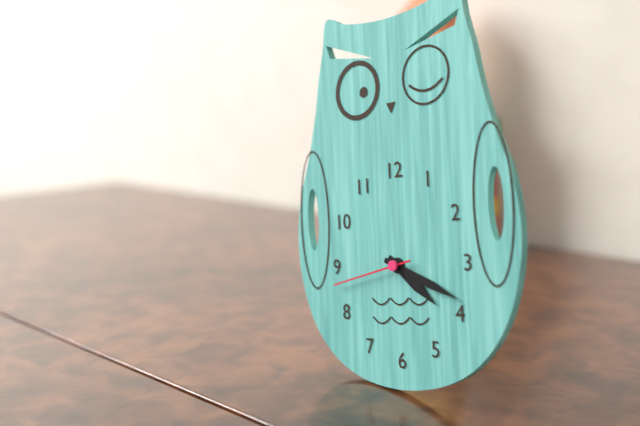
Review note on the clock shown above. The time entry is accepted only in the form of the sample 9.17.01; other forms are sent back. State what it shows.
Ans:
4.19.43
